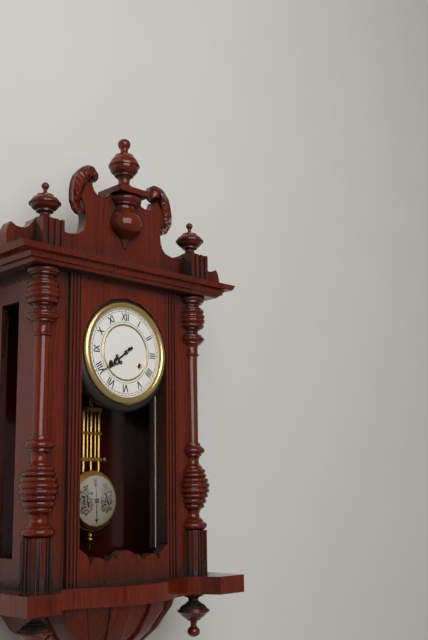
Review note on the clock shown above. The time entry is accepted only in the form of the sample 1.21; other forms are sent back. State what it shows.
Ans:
7.39
